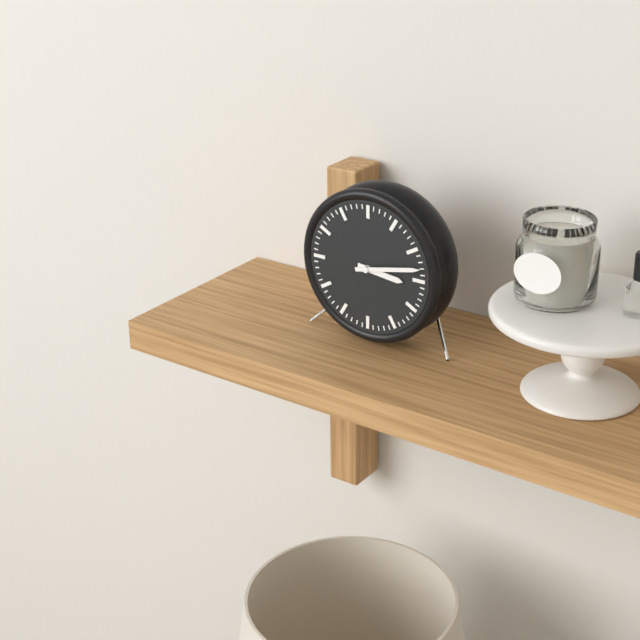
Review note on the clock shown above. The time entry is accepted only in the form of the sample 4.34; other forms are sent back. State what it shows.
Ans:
3.13
